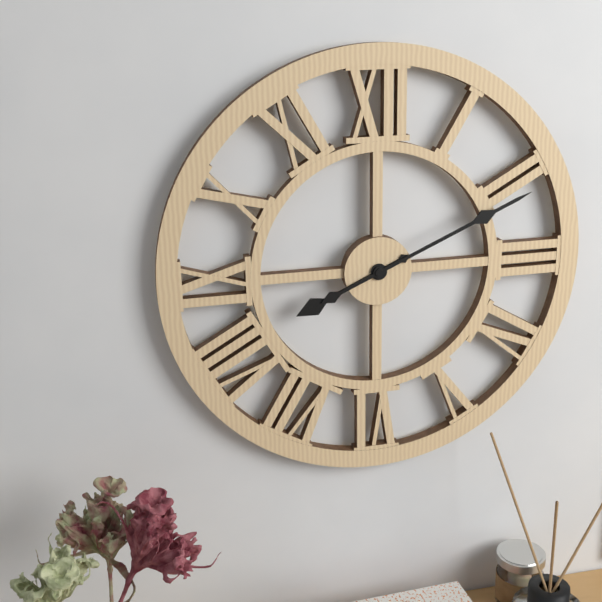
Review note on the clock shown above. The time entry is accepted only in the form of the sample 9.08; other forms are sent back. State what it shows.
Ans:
8.11
